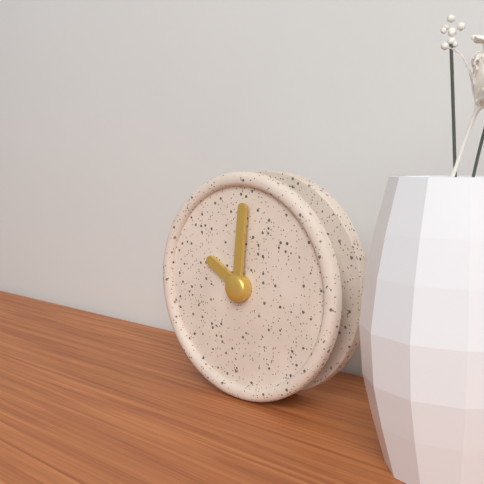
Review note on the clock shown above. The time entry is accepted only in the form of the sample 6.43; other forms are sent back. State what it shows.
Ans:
10.01
